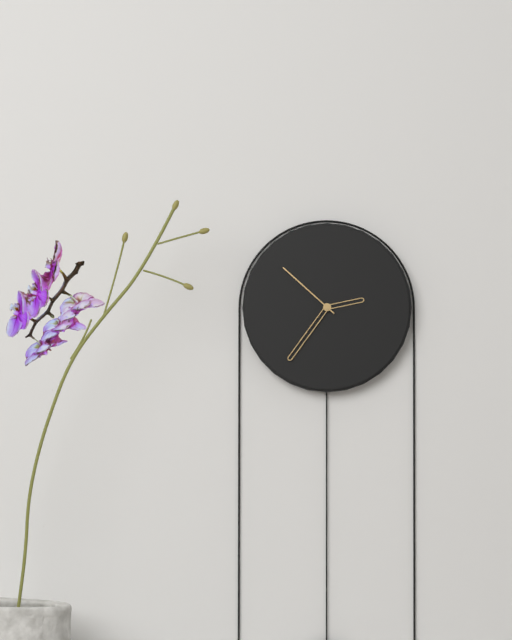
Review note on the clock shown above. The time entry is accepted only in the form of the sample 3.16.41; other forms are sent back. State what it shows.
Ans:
2.36.52
